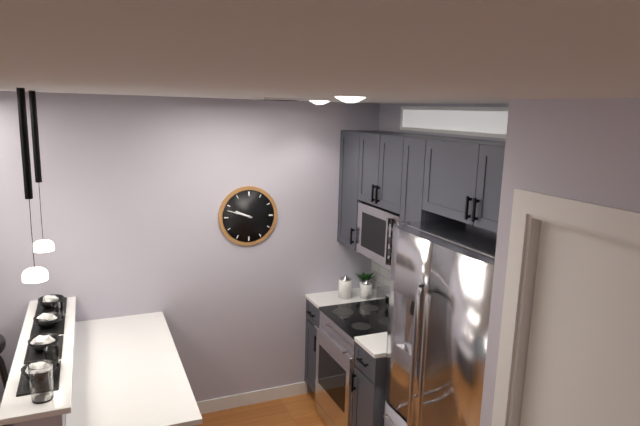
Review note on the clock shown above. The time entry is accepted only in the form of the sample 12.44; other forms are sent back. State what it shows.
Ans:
9.48
